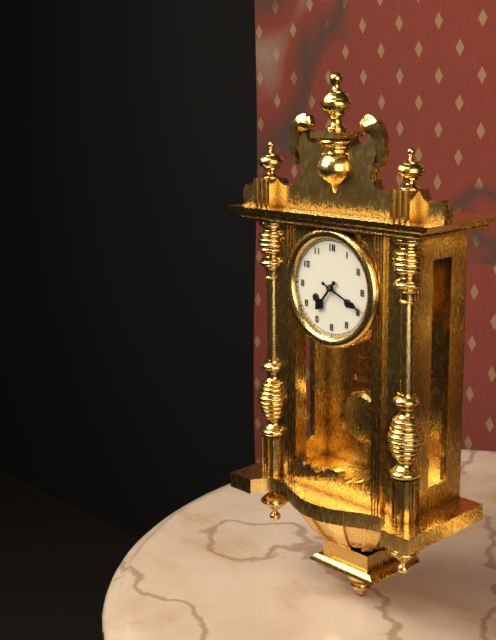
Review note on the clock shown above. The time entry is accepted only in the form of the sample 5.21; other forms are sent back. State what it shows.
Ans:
7.19
